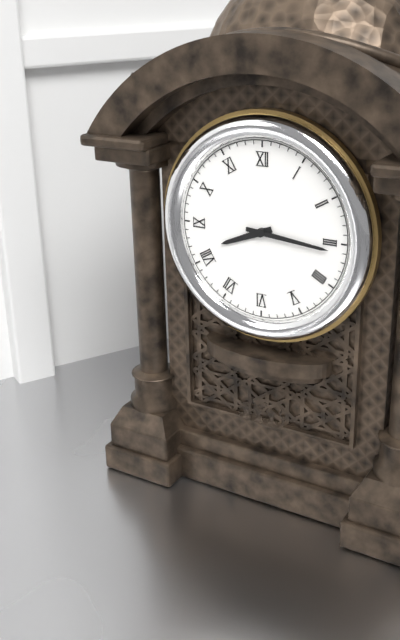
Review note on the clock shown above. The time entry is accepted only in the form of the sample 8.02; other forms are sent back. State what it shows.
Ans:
8.16
